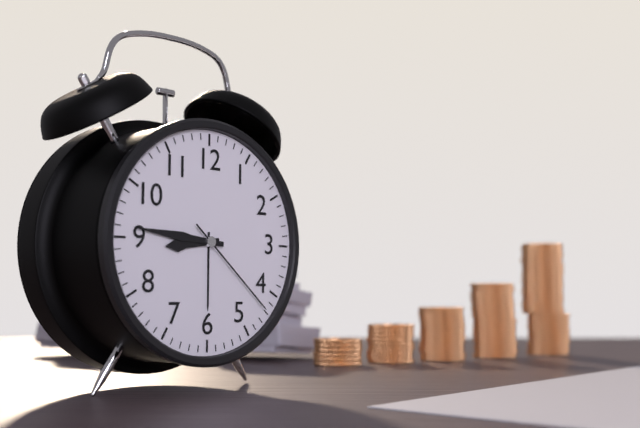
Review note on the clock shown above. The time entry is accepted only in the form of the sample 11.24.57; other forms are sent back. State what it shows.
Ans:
8.46.22
